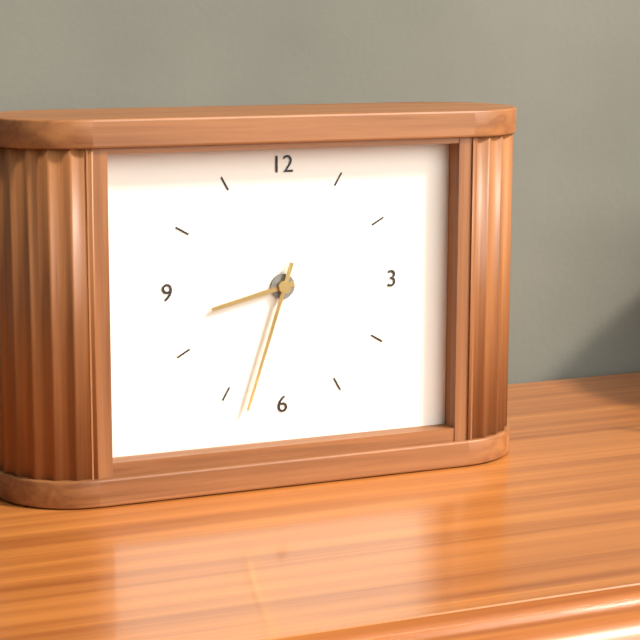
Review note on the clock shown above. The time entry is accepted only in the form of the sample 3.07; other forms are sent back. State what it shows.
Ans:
8.33
